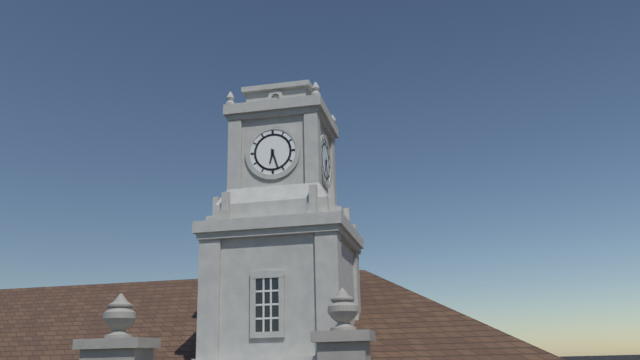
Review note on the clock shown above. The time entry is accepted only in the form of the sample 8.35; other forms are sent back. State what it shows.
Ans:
6.27
